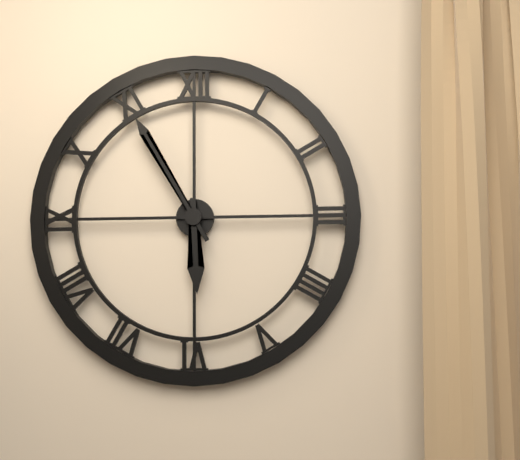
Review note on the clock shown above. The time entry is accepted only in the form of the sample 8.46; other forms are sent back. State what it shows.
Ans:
5.55
